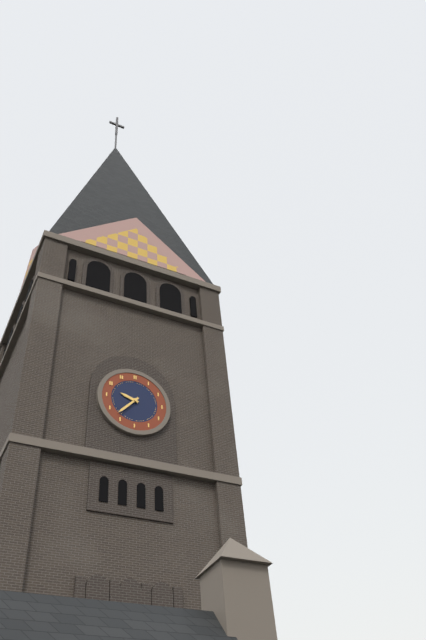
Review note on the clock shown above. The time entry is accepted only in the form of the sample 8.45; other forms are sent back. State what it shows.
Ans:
9.37
